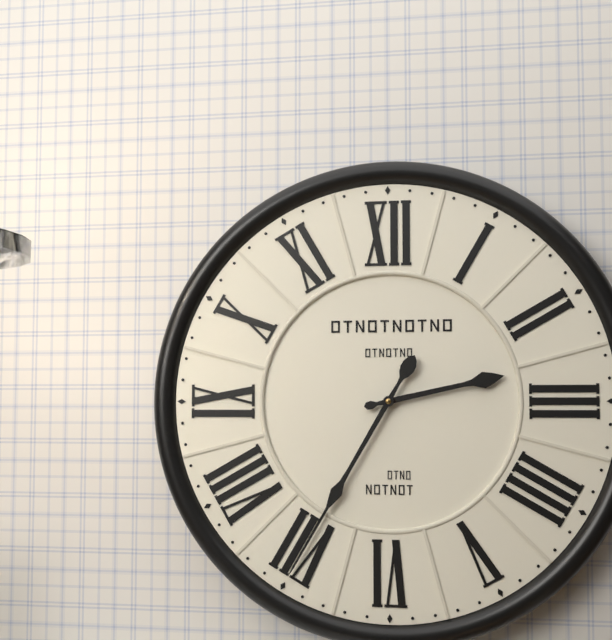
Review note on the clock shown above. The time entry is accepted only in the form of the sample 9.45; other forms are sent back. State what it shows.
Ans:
2.35
